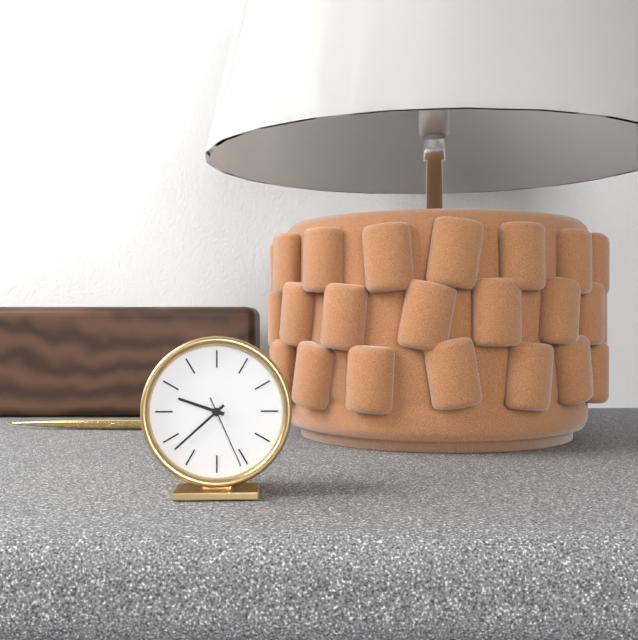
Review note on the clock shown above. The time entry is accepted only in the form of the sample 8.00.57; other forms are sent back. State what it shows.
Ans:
9.38.26
